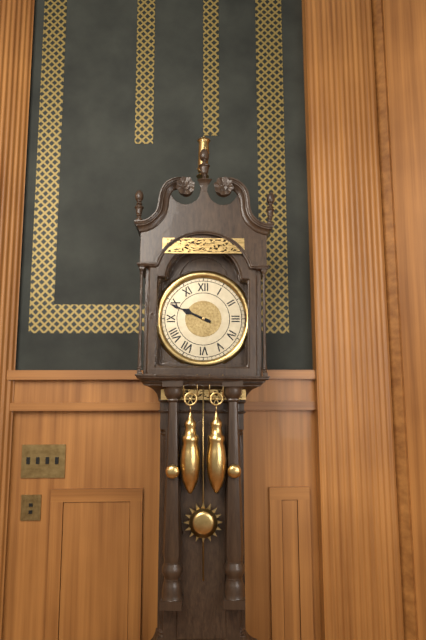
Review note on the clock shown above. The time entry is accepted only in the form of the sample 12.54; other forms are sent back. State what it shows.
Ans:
9.49
